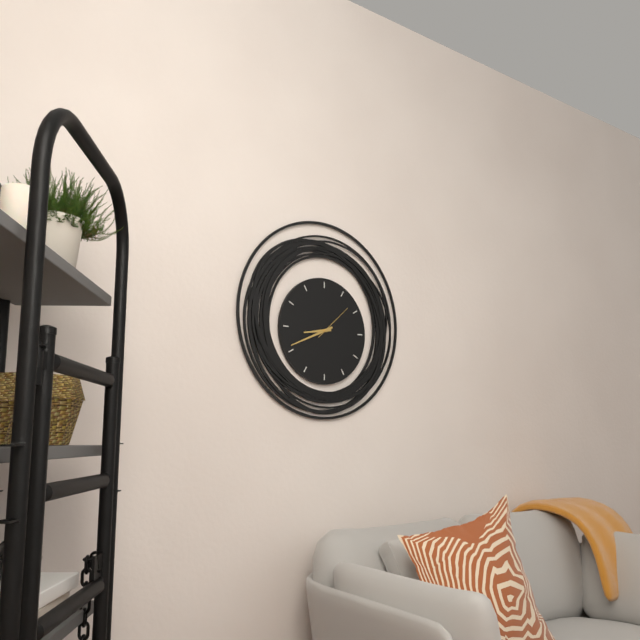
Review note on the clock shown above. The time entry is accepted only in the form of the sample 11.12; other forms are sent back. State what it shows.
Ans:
8.41
